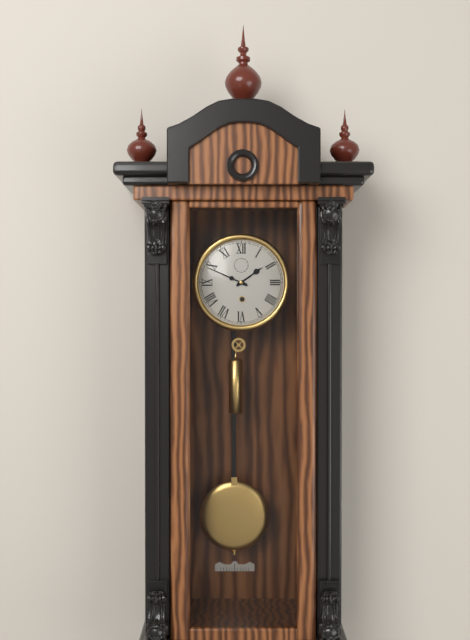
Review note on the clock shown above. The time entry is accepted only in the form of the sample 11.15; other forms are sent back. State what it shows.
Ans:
1.49
